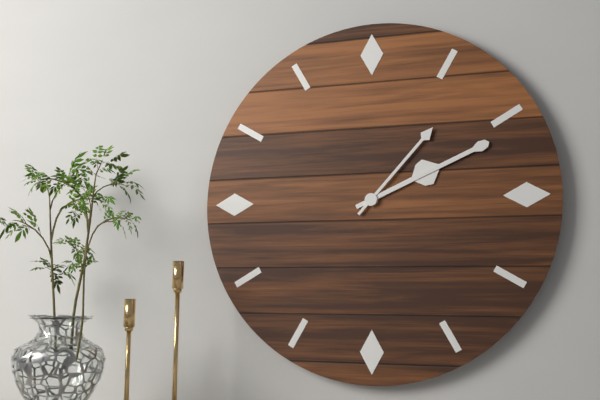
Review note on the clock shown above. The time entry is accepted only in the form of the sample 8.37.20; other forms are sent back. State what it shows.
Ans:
2.11.07
